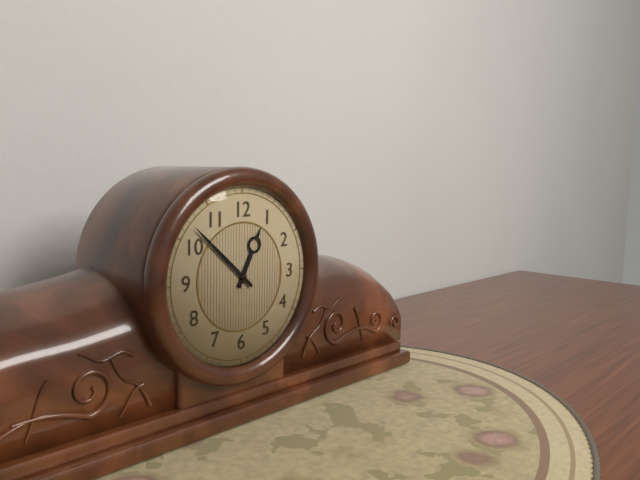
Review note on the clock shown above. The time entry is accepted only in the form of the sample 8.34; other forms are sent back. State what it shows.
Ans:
12.52
